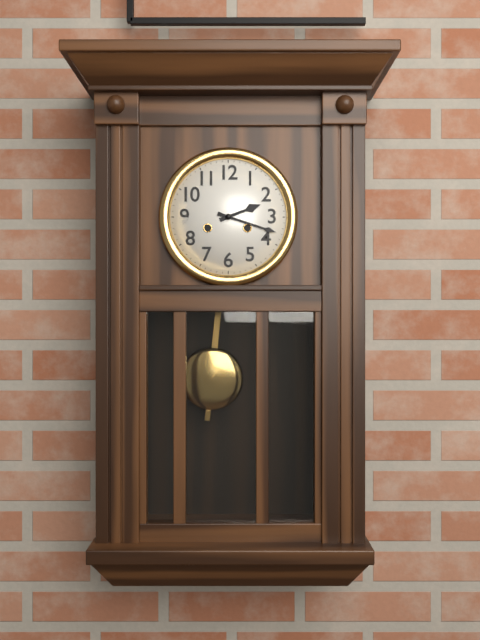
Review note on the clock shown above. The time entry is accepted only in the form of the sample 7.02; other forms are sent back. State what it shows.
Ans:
2.18
